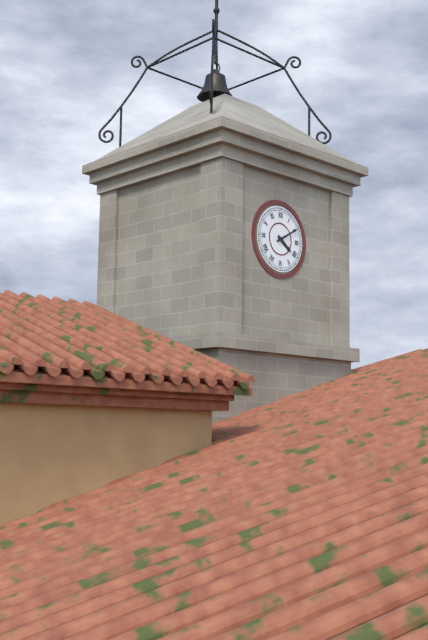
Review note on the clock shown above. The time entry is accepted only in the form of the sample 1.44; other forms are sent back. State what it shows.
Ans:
4.10
